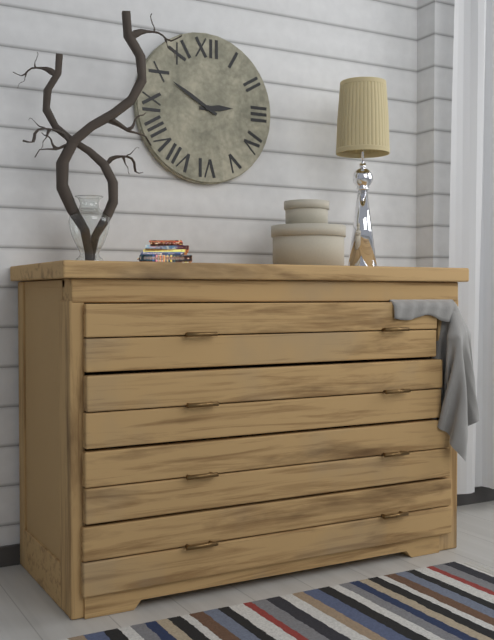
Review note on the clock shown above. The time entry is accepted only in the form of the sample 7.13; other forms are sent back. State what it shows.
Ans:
2.50
